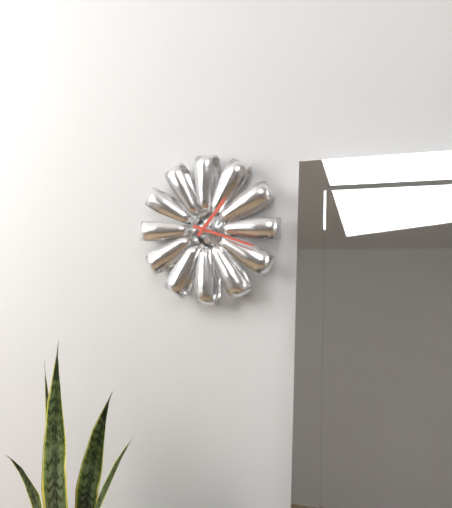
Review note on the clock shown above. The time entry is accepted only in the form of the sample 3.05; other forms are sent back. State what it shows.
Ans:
1.18
